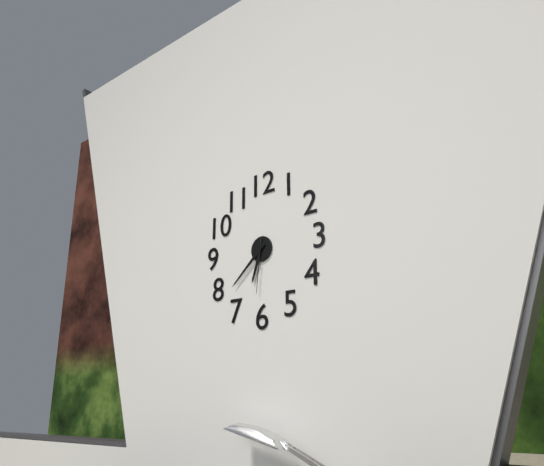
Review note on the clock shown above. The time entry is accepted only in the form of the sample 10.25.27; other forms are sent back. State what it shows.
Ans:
6.38.31
